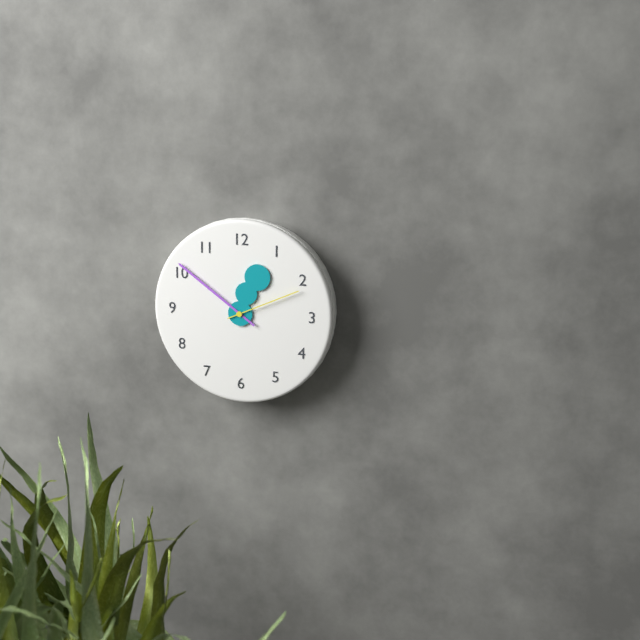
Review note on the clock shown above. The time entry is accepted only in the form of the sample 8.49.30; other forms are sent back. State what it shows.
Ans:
12.51.11
